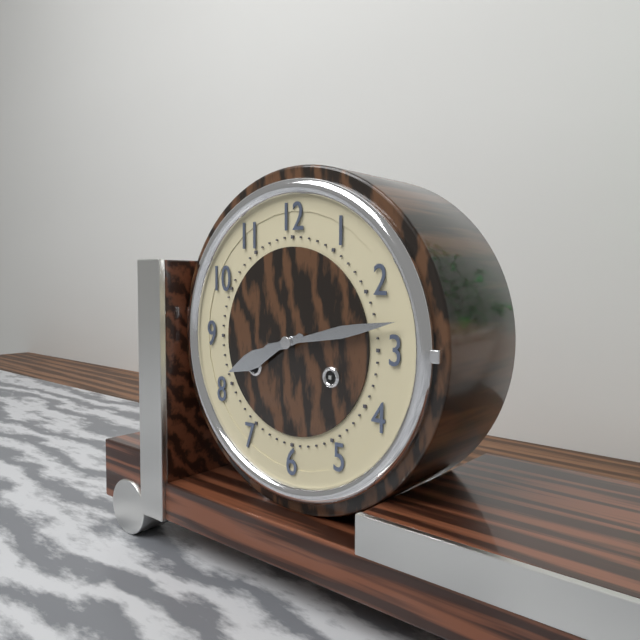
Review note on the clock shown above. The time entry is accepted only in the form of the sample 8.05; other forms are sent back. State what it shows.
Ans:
8.13
